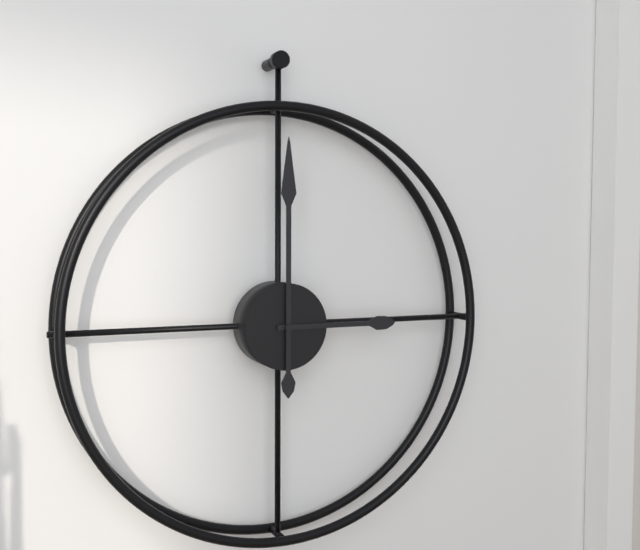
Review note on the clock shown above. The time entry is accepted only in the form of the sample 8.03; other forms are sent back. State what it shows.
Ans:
3.00
